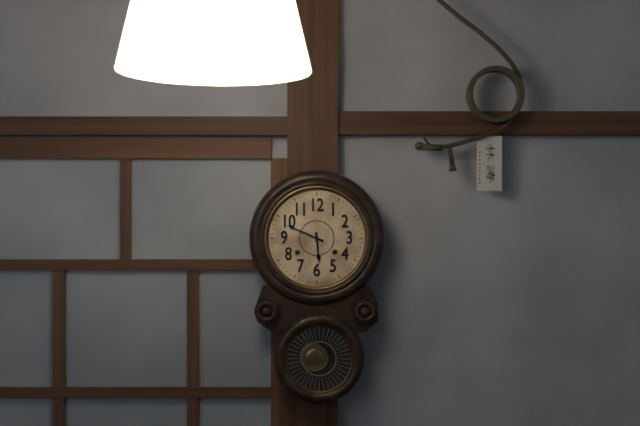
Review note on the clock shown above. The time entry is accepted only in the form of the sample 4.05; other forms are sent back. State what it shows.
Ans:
5.49
